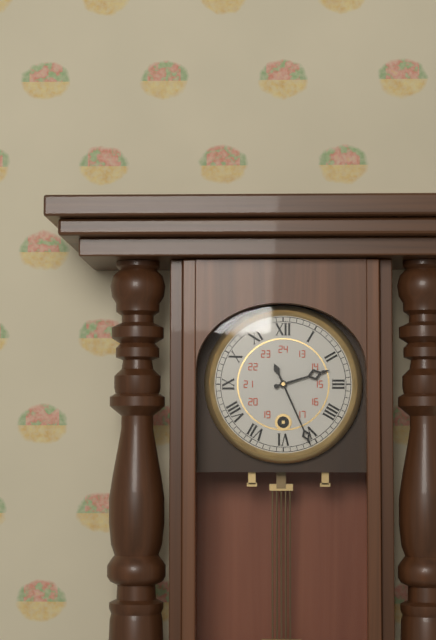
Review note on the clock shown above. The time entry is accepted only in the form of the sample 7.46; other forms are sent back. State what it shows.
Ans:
2.26
